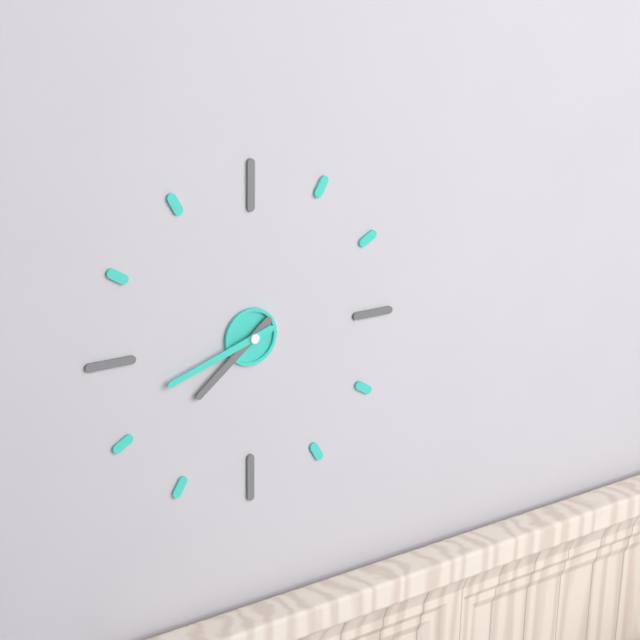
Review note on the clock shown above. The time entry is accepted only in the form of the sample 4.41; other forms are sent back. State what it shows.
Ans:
7.42
